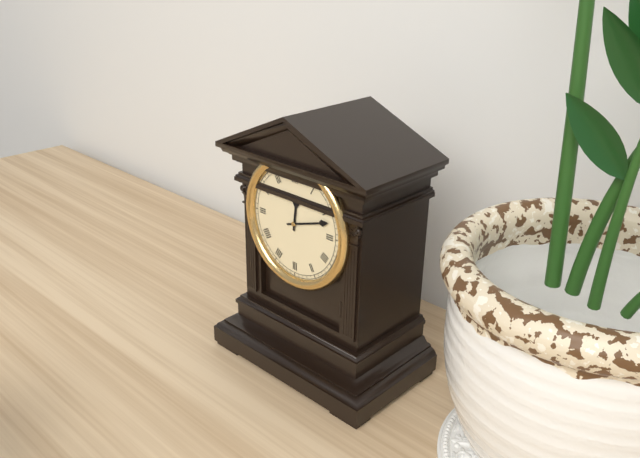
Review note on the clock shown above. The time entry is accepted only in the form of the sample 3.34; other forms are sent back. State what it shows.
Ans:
12.12
